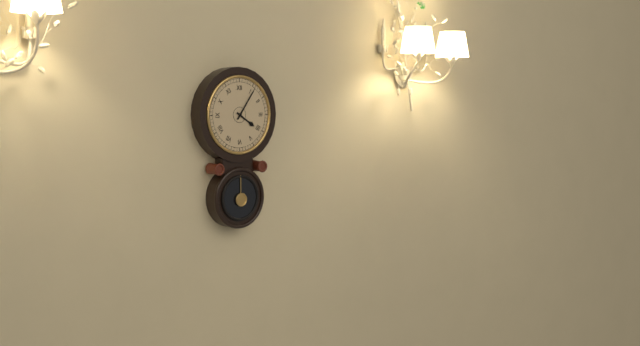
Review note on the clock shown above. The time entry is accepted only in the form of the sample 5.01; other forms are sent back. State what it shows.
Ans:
4.06
